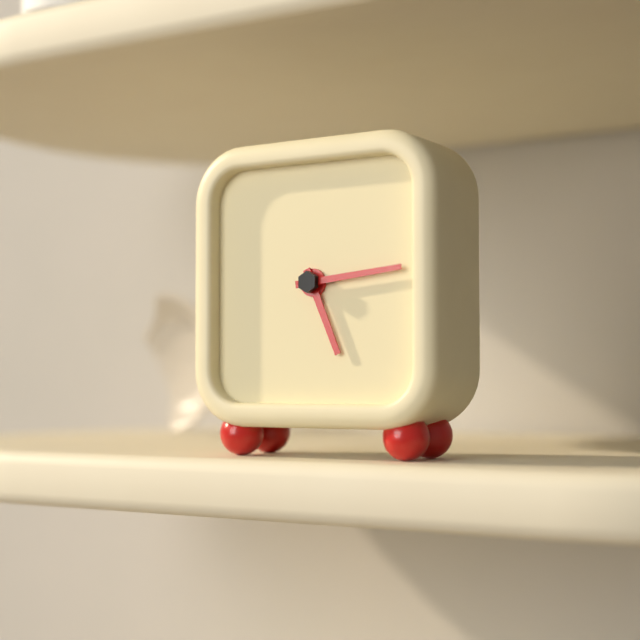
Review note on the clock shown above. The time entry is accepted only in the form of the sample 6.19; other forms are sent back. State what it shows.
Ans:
5.14
